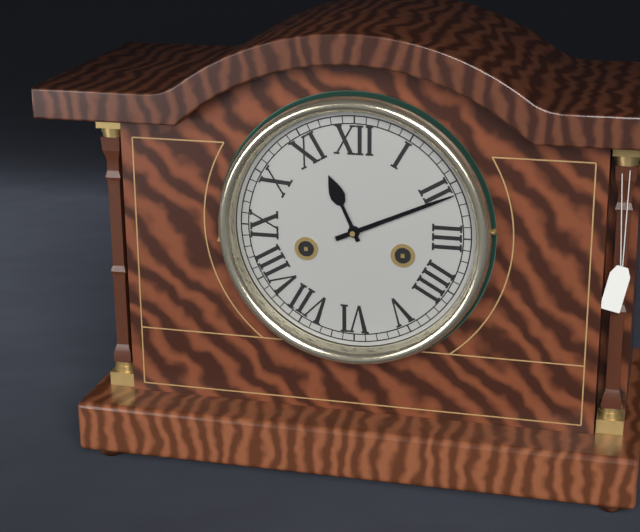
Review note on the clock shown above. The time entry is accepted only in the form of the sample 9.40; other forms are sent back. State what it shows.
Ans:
11.11
